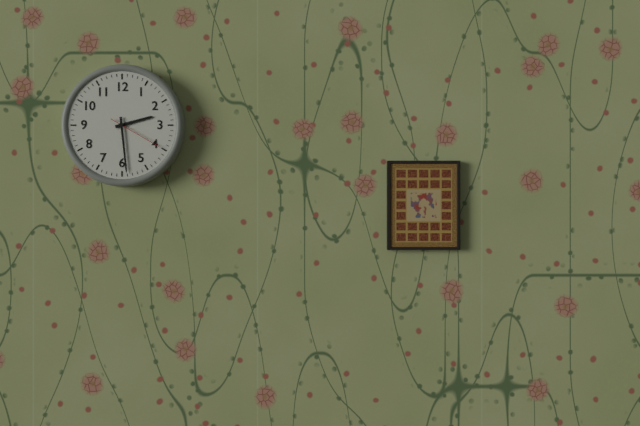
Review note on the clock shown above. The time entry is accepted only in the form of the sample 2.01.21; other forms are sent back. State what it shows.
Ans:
2.29.20
